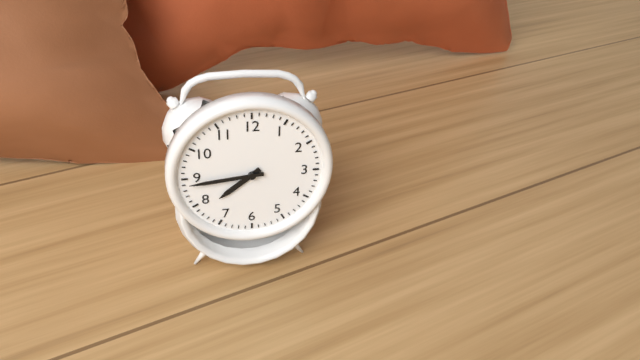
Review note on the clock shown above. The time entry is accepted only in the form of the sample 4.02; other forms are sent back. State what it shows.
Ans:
7.44
